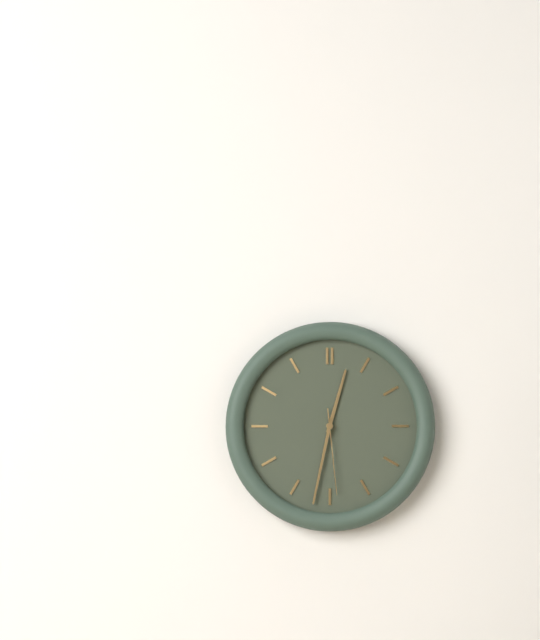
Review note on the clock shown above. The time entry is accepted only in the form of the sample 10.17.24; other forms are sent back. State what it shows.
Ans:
12.32.29
